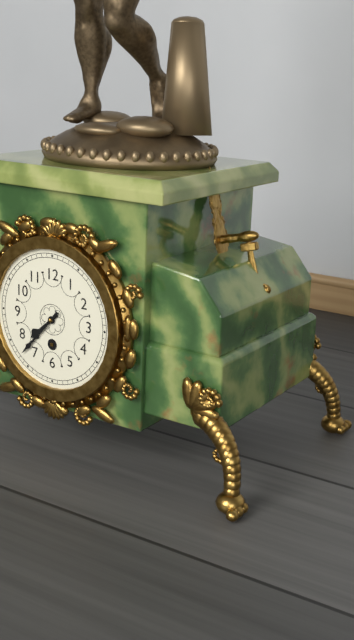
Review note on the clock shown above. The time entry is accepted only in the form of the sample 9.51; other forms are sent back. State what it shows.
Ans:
7.37
